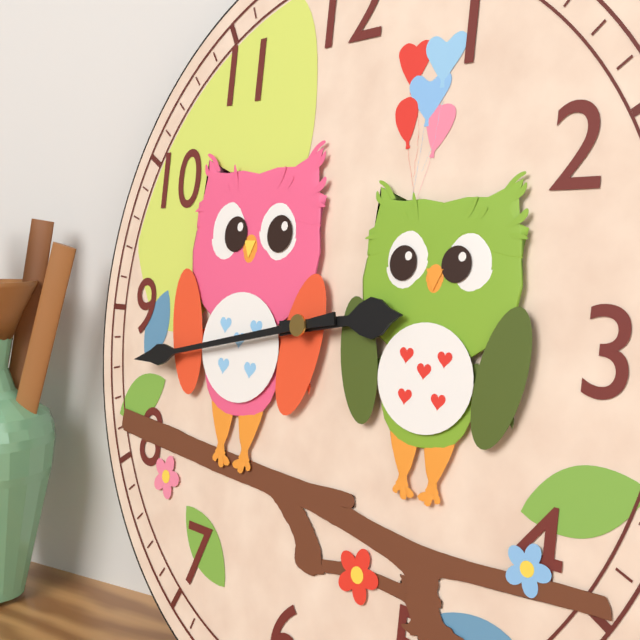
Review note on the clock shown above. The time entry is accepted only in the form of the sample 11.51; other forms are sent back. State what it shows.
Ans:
2.43
